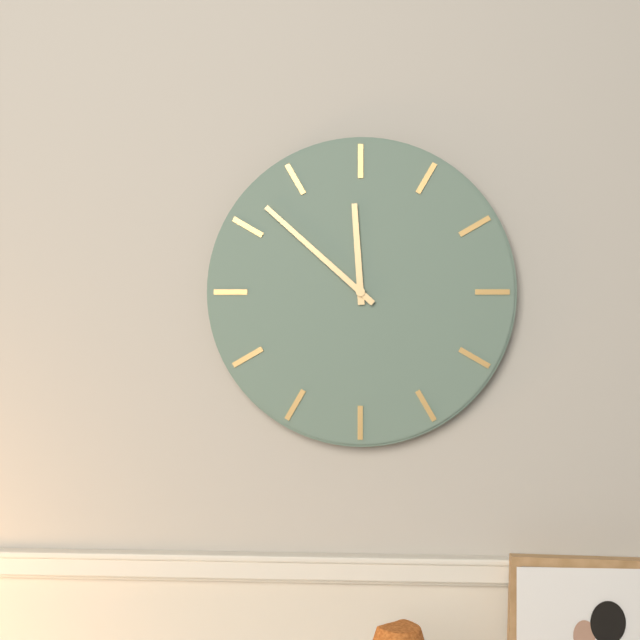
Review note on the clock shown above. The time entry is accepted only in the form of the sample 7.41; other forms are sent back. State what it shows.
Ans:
11.52
